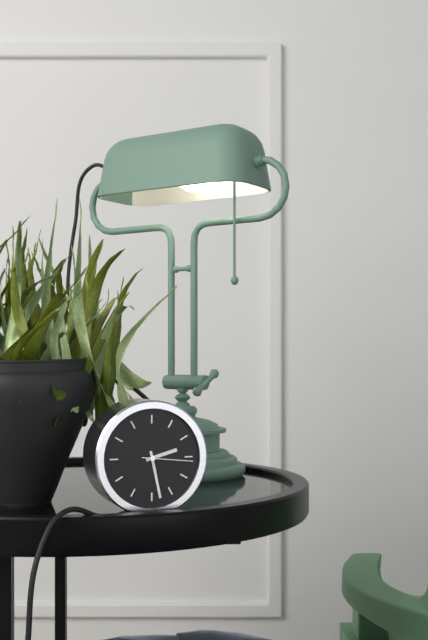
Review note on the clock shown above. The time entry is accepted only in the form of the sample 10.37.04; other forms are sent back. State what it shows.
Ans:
2.28.16
